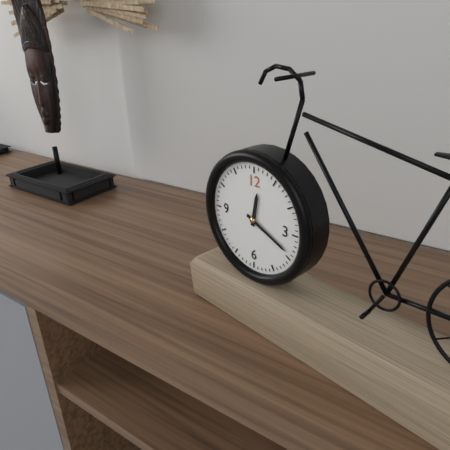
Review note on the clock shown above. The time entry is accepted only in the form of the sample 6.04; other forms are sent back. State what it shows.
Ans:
12.19
